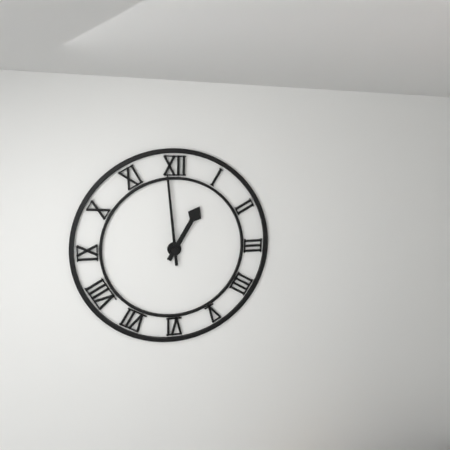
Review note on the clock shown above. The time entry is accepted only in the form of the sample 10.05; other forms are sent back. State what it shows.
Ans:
12.59
